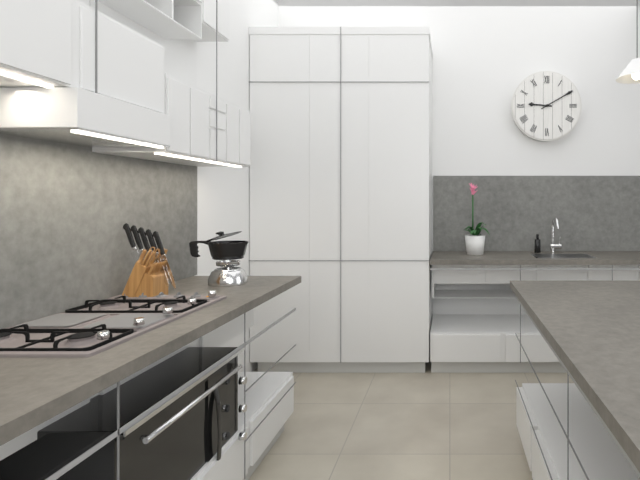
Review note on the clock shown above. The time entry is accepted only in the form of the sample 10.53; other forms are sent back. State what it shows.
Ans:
9.10
